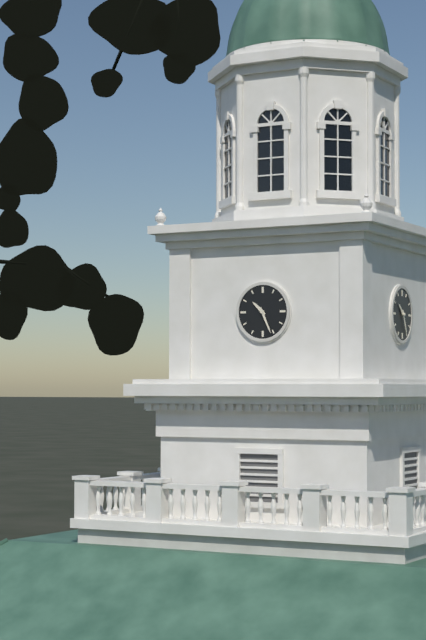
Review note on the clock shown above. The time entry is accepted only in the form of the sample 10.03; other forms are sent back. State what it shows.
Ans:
10.26
